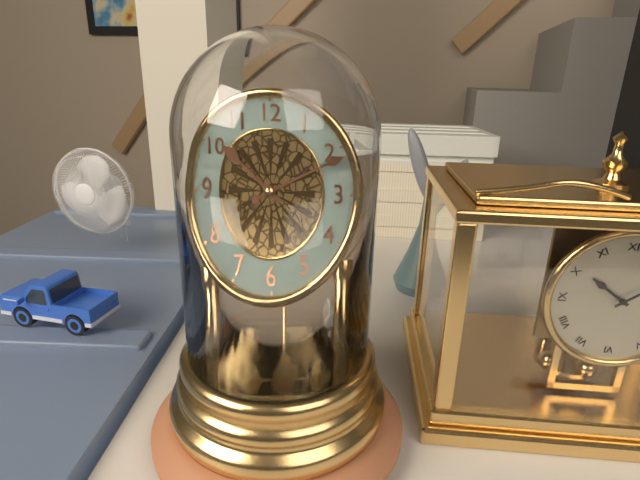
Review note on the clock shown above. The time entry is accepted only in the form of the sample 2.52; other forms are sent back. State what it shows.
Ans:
10.11
